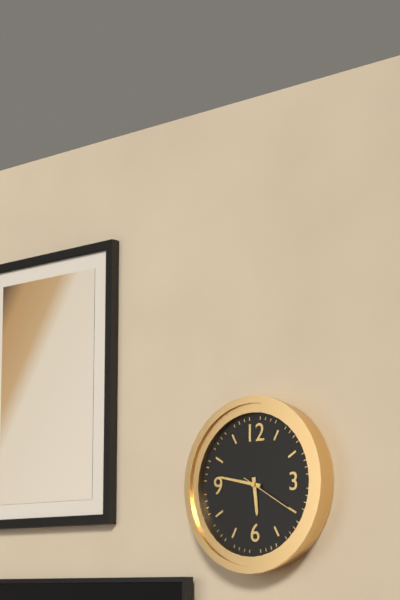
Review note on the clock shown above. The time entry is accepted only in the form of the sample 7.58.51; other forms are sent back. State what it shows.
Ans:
5.47.20
